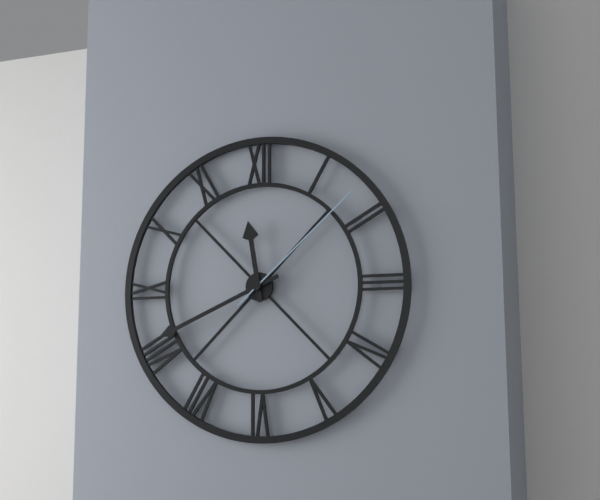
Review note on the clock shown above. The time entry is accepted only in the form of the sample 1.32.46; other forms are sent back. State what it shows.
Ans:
11.41.08
